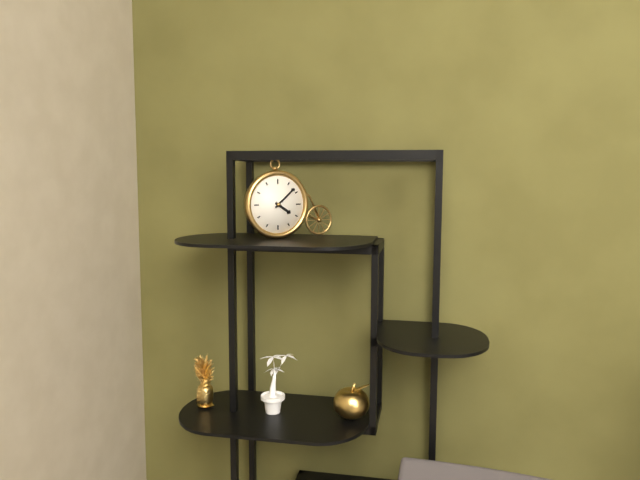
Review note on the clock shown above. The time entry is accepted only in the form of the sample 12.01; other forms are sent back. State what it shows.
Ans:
4.08
